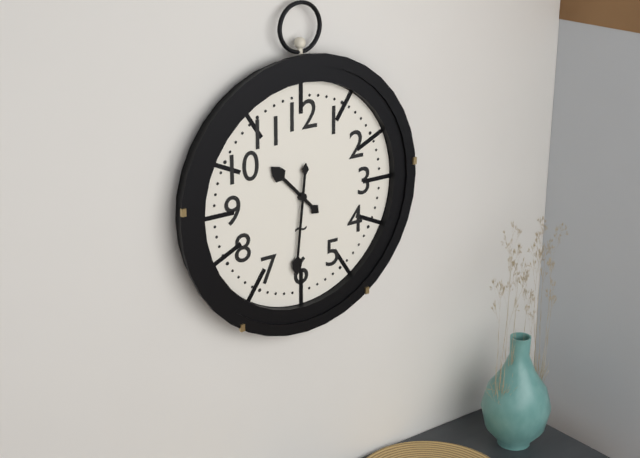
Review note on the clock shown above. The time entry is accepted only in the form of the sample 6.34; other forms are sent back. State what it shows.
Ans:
10.31
